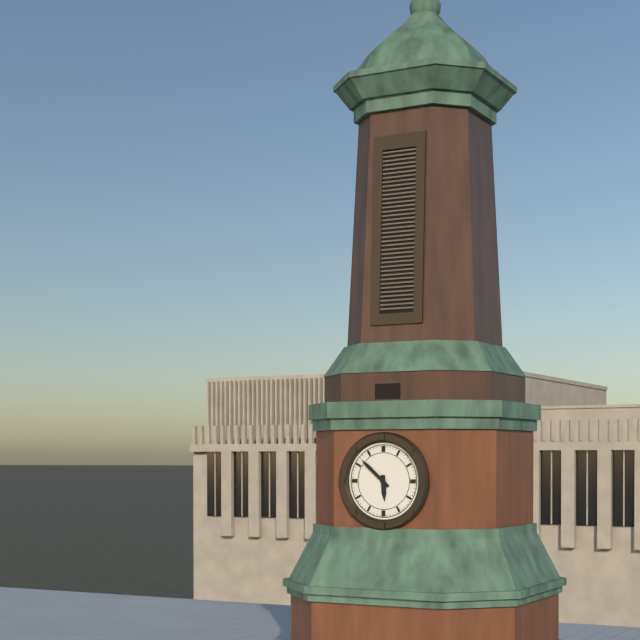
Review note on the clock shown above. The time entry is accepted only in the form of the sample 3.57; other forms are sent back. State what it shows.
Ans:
5.52
